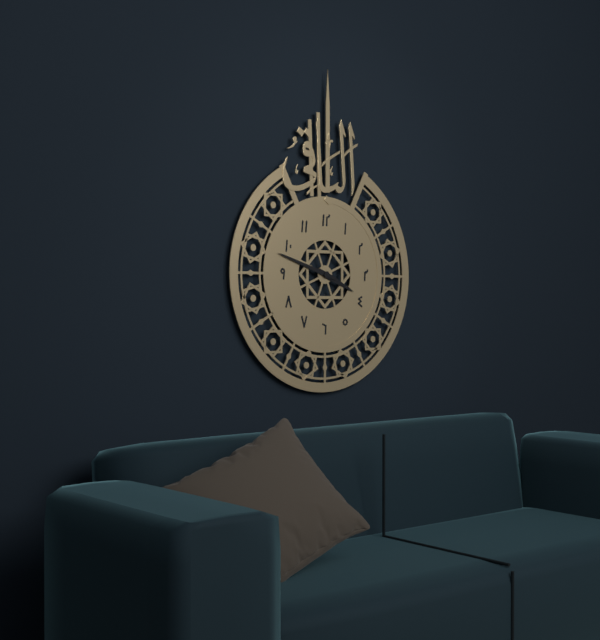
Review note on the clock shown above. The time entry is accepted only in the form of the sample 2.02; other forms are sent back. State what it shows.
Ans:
3.48
